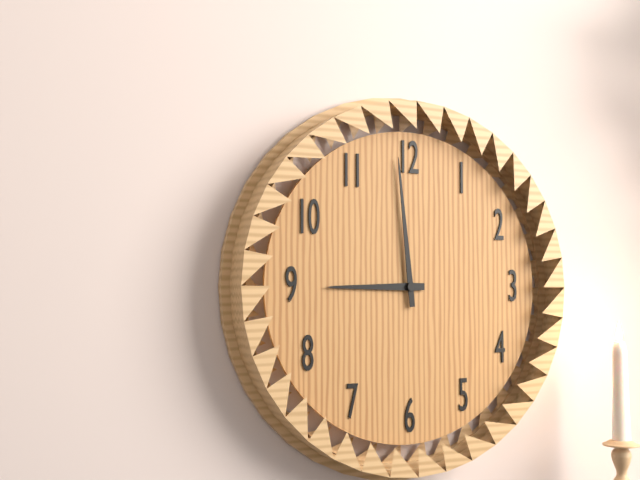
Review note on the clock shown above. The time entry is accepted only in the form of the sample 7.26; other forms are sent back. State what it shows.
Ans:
8.59
